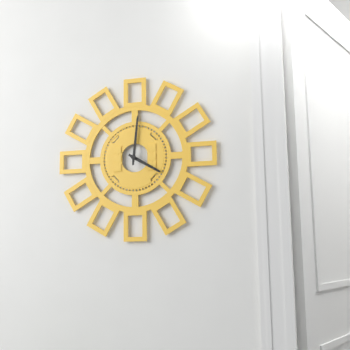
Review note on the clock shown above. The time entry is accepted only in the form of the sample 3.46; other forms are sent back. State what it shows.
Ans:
4.01
